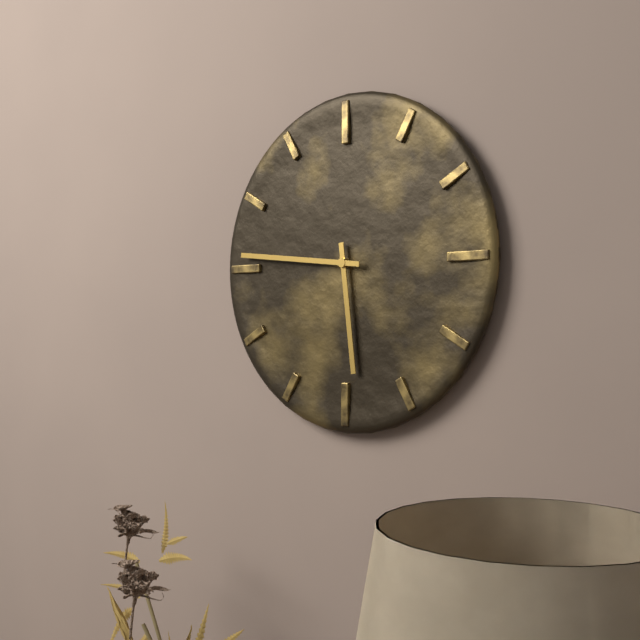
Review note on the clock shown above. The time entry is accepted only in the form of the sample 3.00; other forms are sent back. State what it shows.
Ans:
5.46
